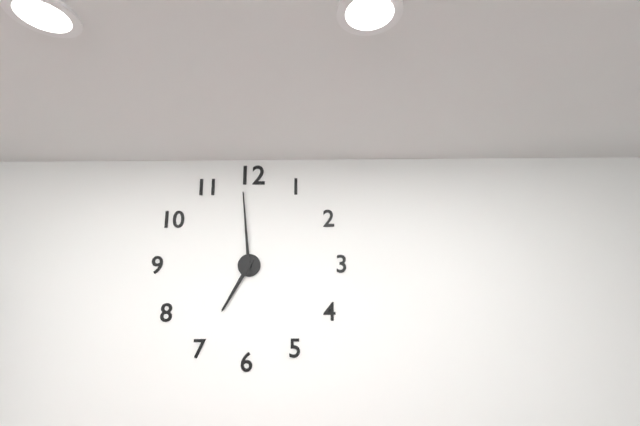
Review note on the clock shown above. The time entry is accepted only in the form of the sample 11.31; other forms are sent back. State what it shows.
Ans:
6.59
